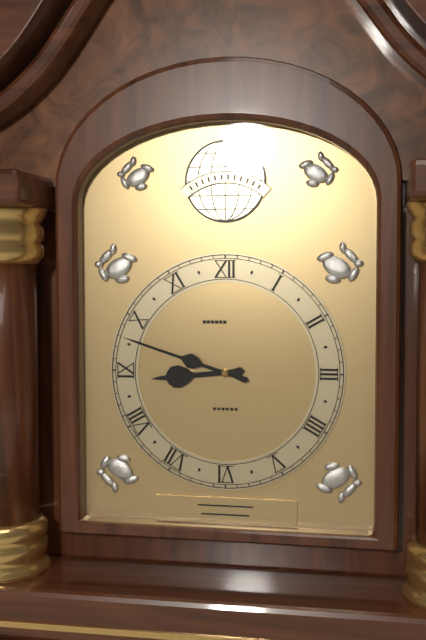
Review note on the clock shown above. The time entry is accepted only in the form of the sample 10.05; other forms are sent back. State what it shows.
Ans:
8.48
